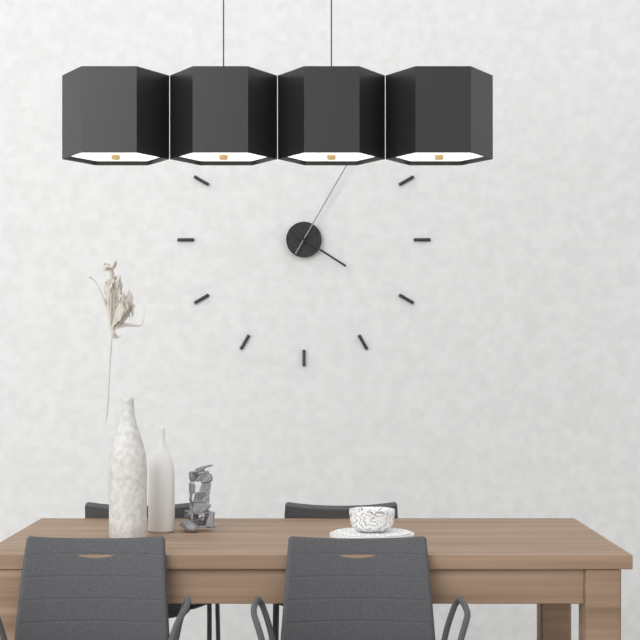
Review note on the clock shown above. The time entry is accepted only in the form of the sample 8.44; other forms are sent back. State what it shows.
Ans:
4.05
